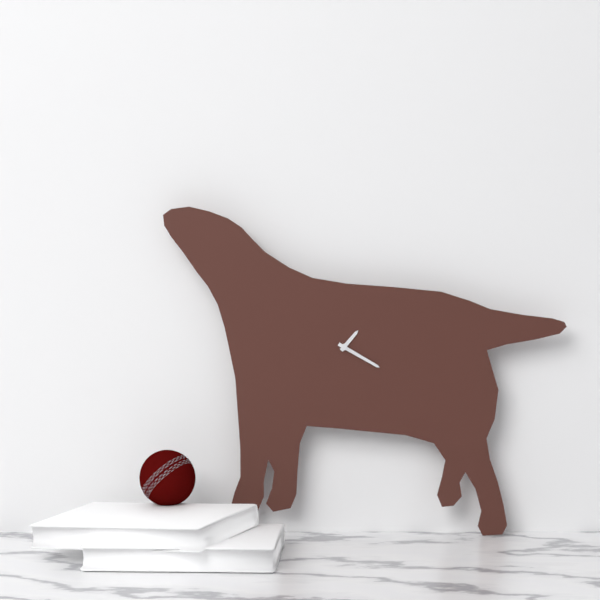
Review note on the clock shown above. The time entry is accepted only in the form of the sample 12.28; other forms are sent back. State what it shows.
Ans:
1.20
